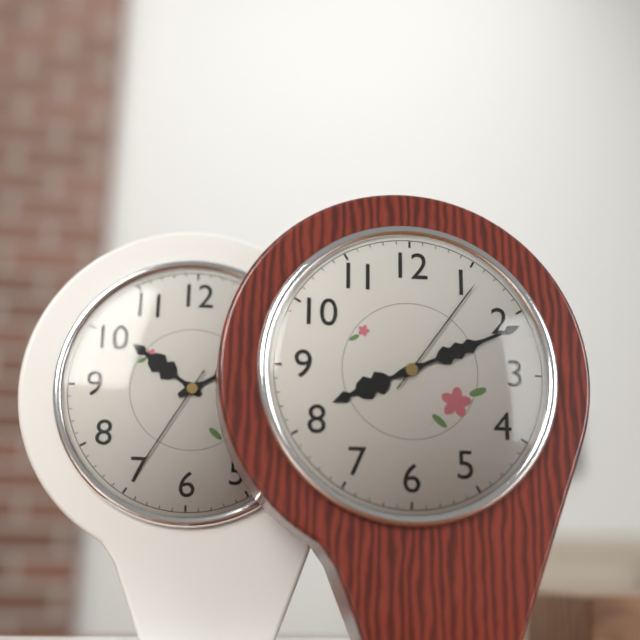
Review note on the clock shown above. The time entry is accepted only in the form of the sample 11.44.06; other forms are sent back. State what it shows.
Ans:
8.11.06
